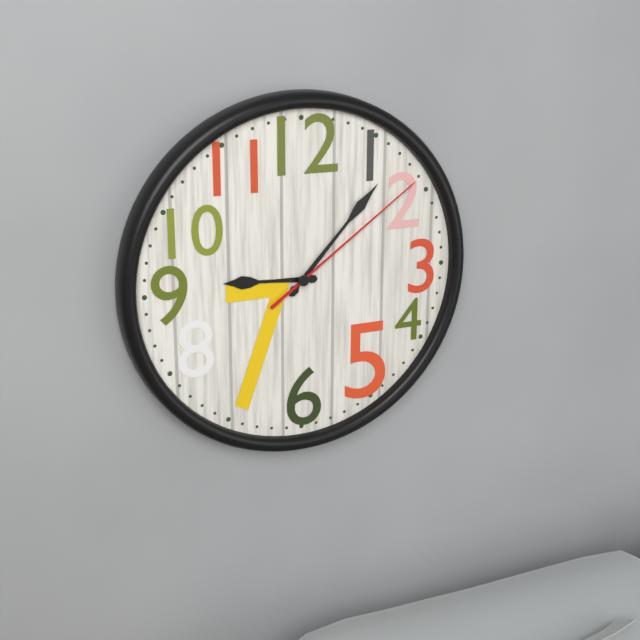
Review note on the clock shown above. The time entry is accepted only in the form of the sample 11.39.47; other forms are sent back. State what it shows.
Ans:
9.07.09
